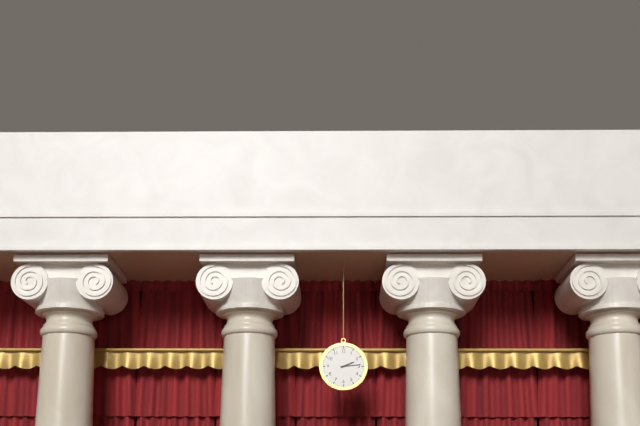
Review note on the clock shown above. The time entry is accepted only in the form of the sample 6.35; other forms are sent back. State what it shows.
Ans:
2.14
